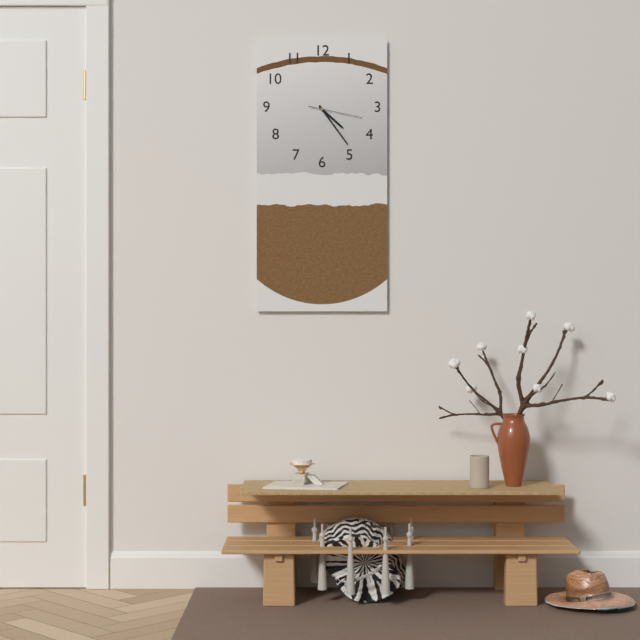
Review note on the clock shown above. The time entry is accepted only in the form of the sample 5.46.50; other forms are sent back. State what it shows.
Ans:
4.24.17
